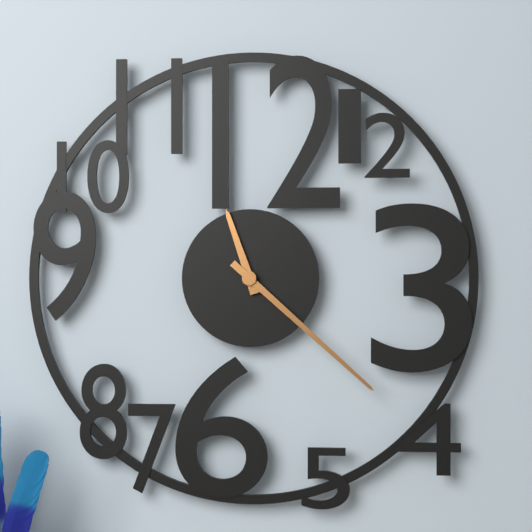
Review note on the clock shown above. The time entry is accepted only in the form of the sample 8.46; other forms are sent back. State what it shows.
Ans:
11.22
